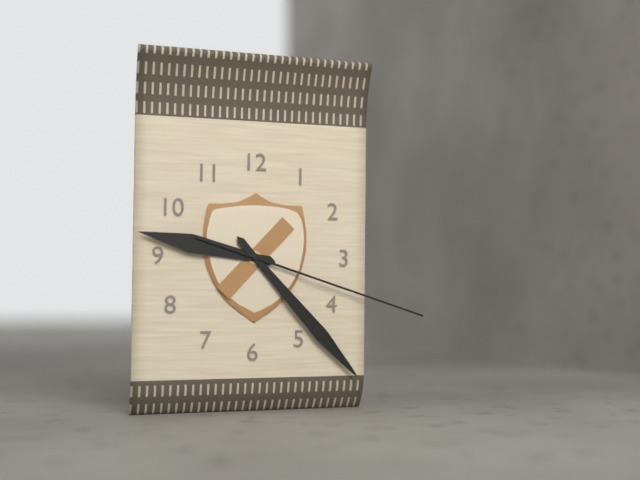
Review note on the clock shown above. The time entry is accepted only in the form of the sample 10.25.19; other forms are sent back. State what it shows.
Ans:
9.23.18
